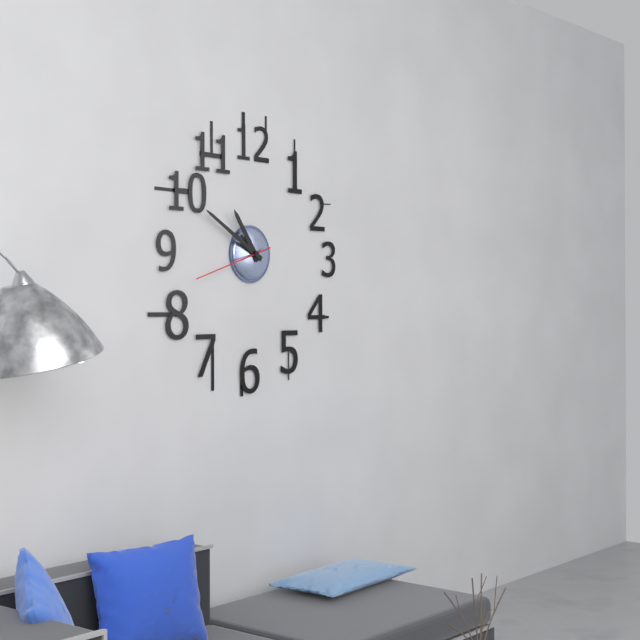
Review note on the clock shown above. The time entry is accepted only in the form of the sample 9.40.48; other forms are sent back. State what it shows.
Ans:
10.50.42
